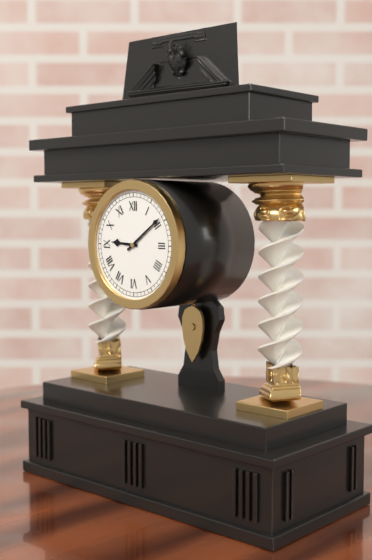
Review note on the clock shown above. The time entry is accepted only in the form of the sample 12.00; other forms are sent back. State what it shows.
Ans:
9.09
